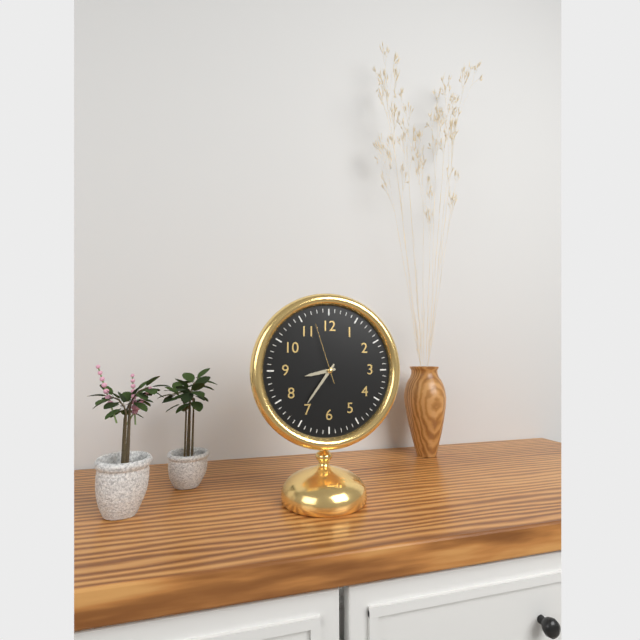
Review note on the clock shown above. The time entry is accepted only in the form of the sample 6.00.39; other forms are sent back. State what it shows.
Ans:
8.36.57
